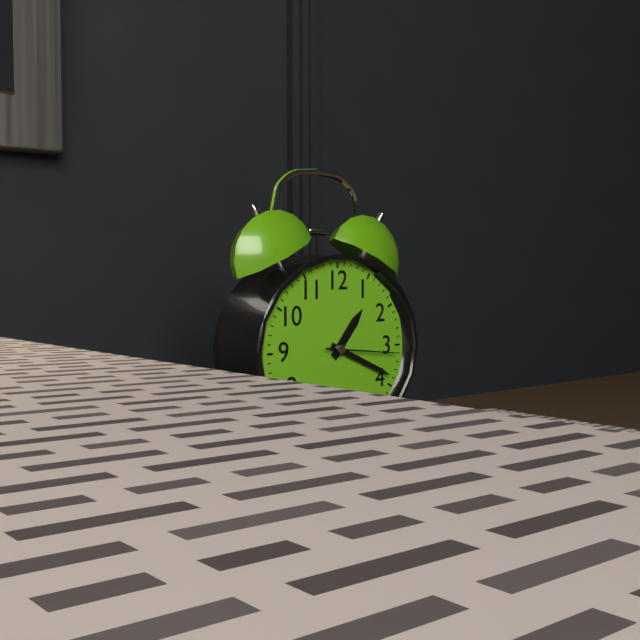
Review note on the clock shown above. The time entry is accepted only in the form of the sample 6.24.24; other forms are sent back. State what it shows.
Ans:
1.19.16
